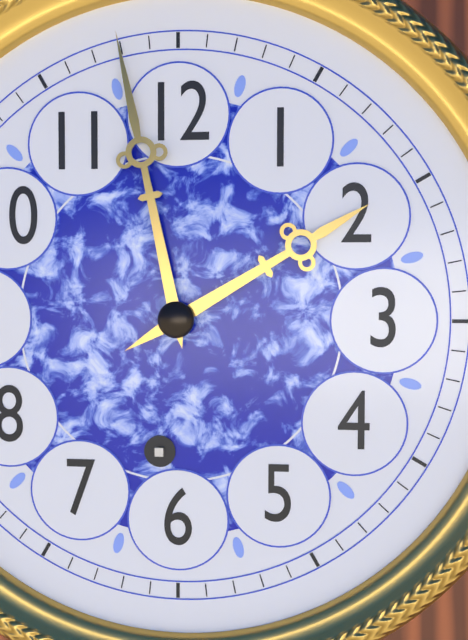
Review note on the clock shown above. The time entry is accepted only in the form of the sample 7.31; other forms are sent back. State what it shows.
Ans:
1.58
